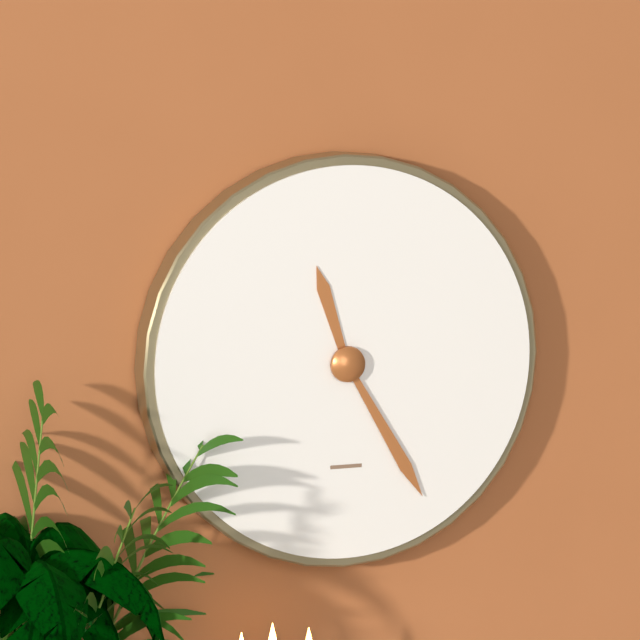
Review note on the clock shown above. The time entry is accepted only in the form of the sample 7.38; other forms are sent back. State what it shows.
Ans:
11.25
